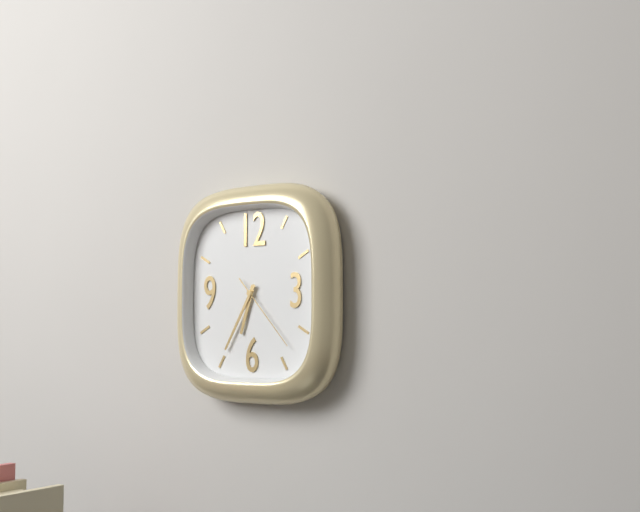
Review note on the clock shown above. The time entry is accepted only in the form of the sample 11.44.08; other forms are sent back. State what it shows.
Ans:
6.35.23
